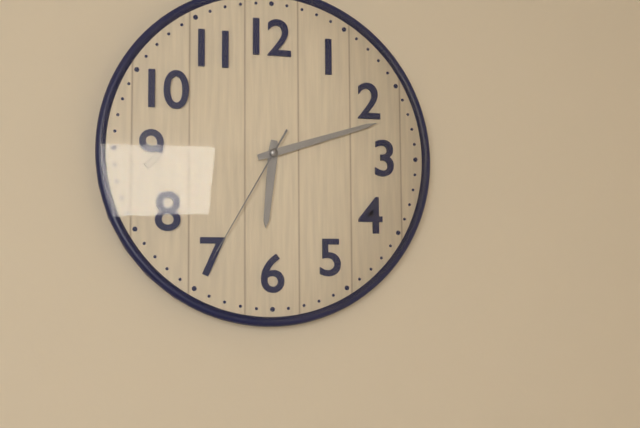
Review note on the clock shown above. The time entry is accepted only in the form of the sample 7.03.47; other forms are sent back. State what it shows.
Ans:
6.12.35
